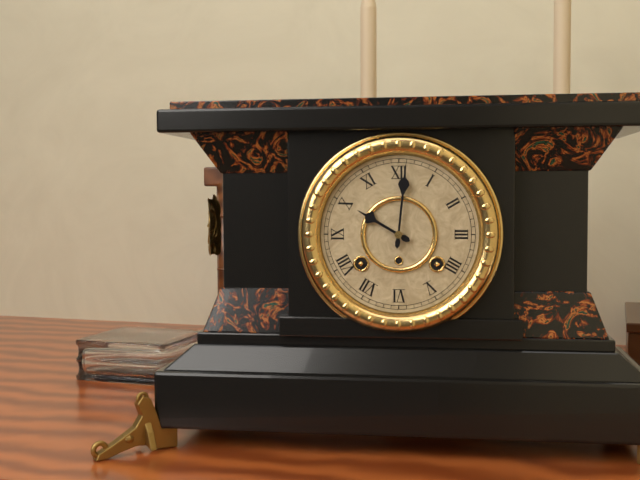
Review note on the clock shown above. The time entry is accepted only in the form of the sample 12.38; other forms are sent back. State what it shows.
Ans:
10.01
